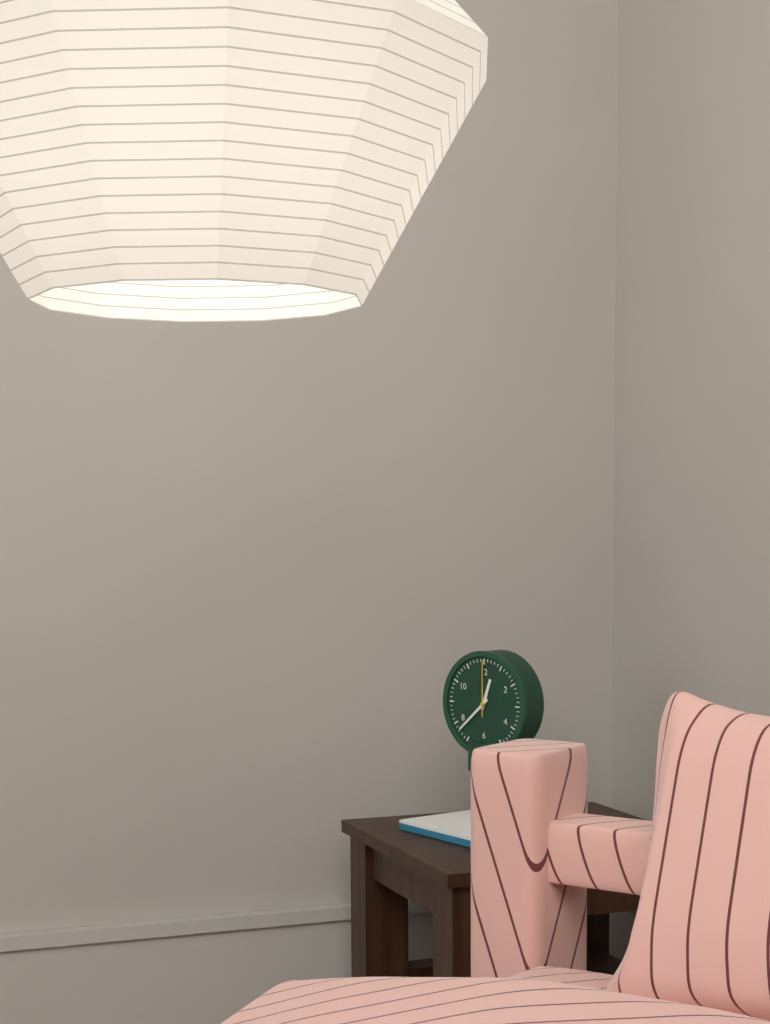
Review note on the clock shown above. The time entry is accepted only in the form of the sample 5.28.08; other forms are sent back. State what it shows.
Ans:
12.38.00
